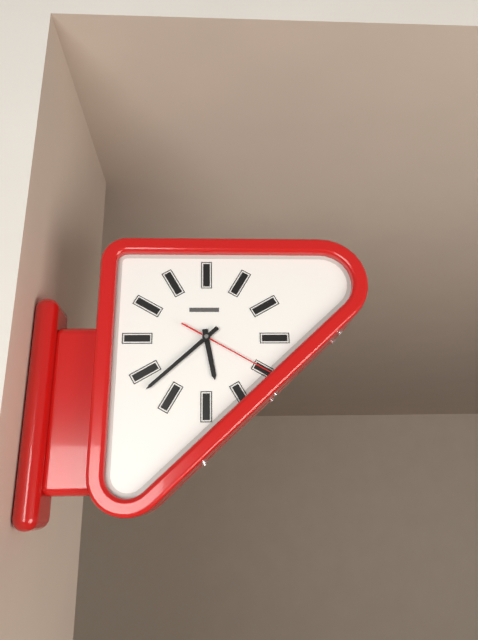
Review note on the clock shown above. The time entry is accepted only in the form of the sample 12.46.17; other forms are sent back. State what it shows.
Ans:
5.38.20
